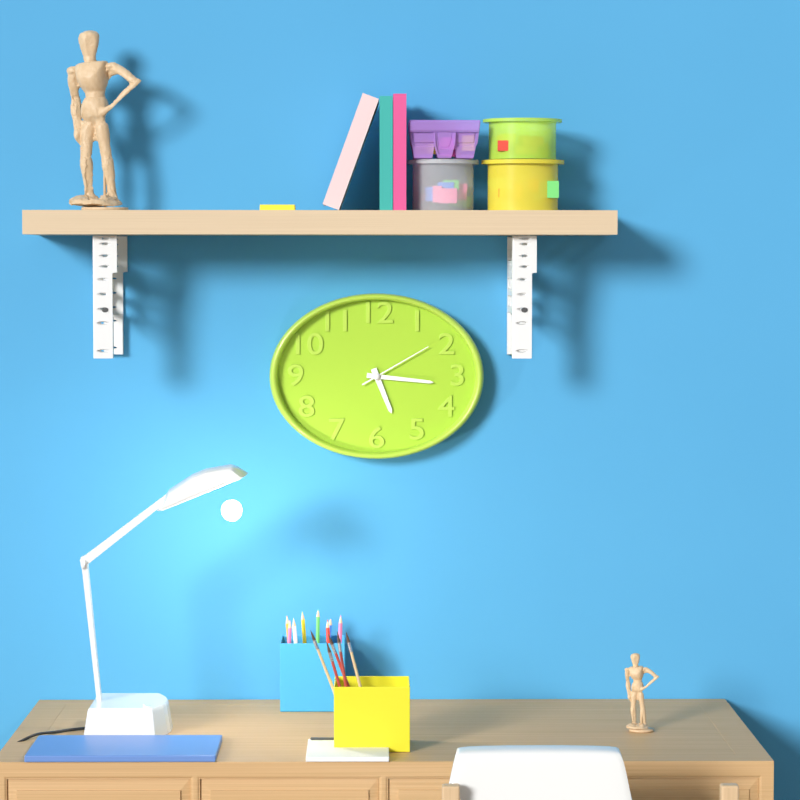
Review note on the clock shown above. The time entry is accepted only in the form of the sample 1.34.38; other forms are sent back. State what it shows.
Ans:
5.16.10
